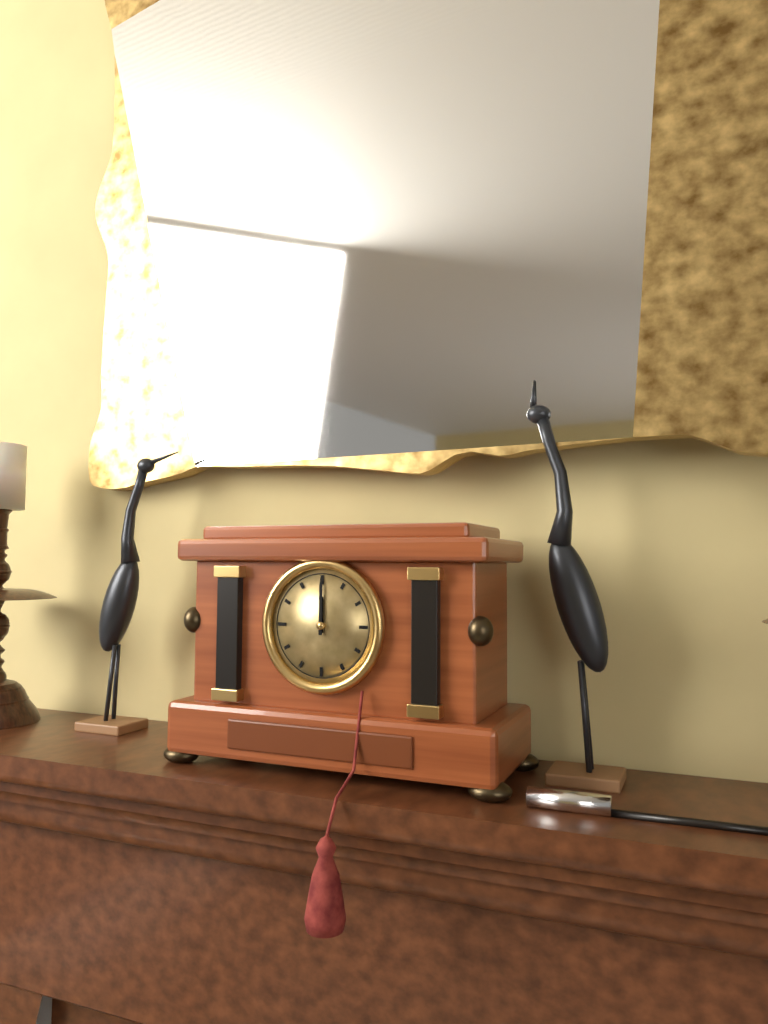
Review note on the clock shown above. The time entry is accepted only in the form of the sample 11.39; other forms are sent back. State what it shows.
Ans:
12.00
